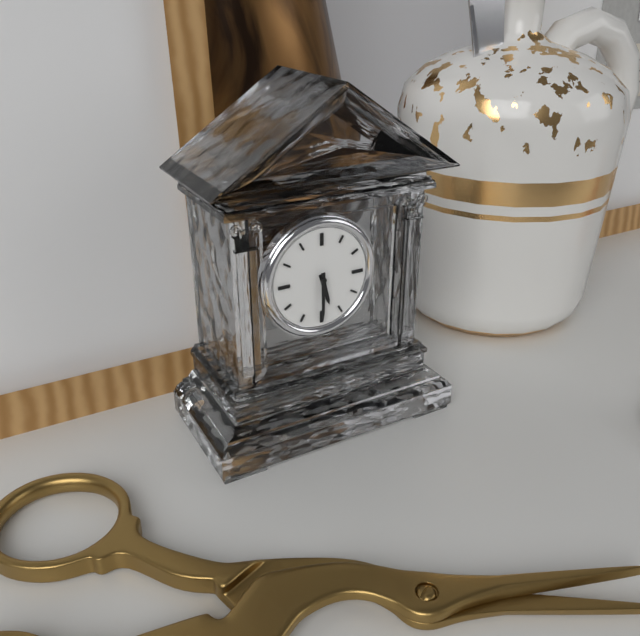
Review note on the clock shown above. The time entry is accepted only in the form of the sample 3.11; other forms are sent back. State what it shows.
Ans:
5.30
